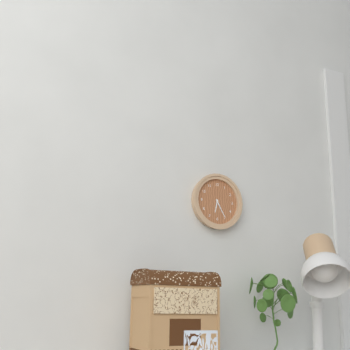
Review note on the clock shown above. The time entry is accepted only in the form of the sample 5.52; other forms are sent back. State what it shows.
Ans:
6.25
